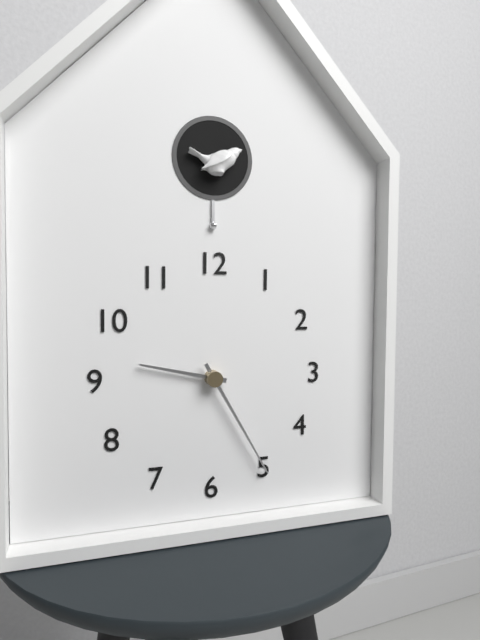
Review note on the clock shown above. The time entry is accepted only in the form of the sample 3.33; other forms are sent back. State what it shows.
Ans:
9.25
